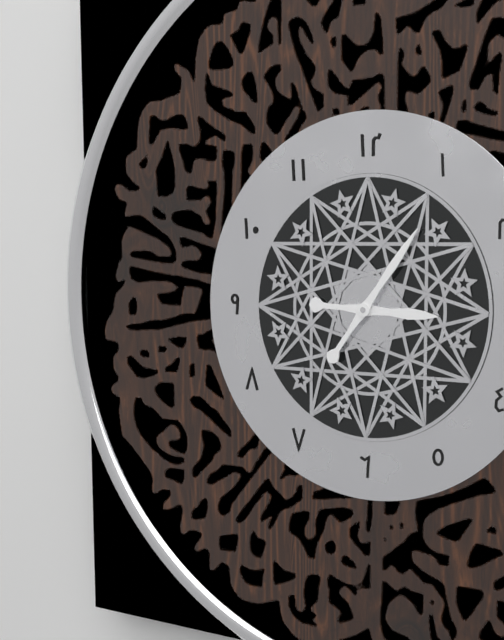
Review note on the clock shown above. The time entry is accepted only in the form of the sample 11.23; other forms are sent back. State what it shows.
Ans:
3.06
